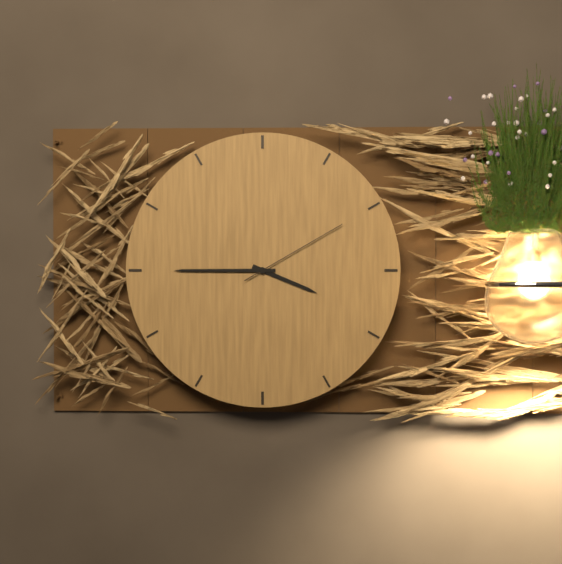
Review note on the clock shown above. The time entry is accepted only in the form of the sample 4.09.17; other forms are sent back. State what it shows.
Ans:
3.45.10
